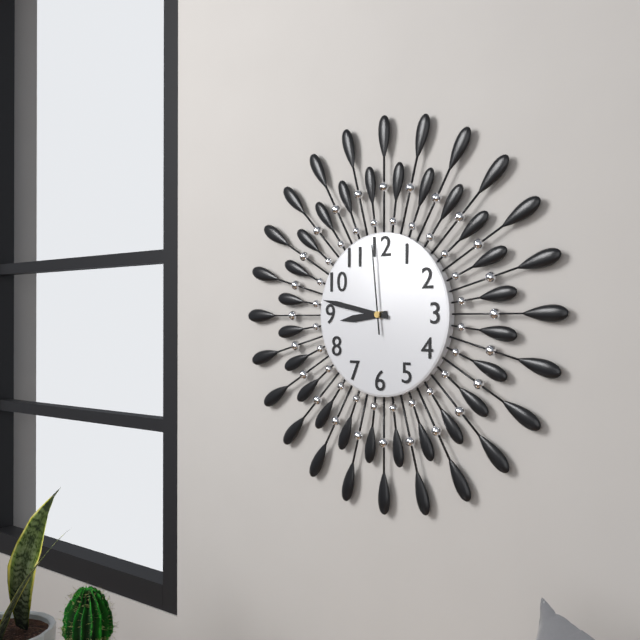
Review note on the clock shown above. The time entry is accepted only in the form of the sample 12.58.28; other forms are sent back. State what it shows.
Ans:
8.47.59
